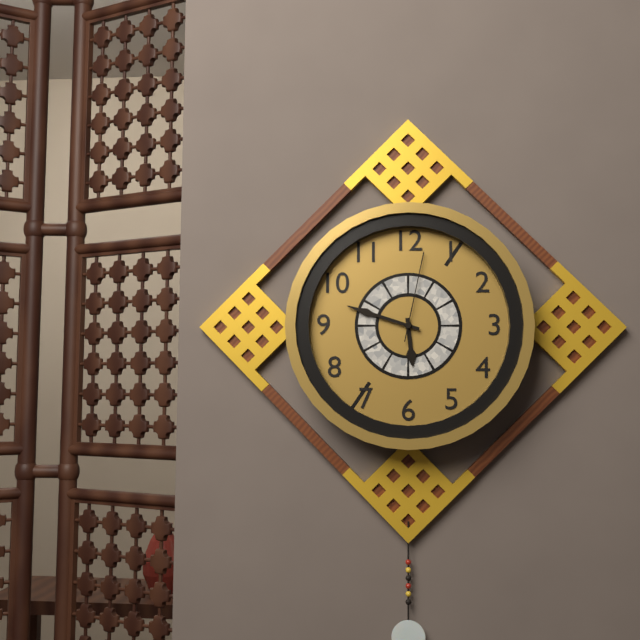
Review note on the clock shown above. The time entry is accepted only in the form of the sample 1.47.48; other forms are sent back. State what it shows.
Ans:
5.48.02
